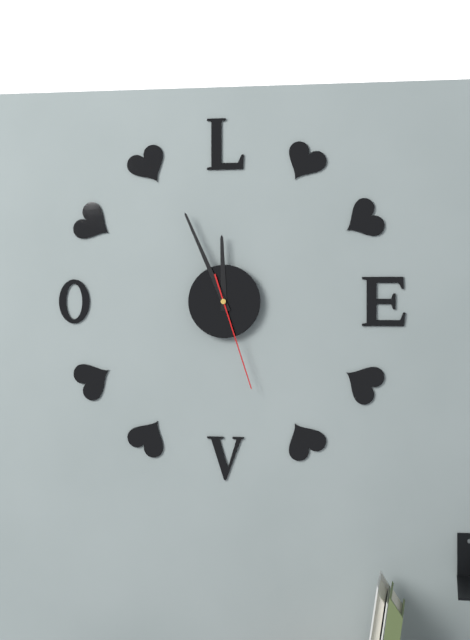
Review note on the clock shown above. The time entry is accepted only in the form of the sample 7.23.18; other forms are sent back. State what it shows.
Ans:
11.56.27
